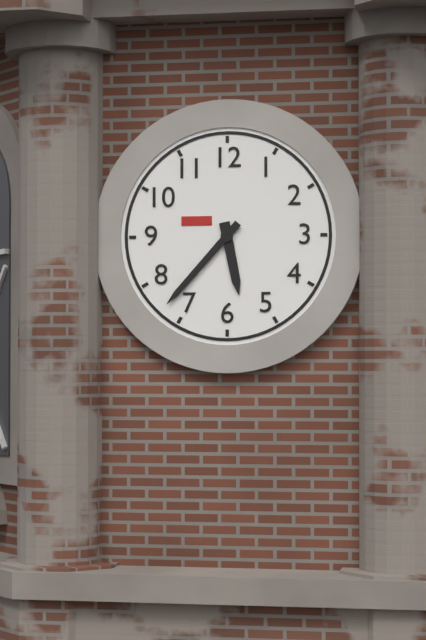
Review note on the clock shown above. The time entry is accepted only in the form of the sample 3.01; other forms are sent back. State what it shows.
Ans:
5.37
